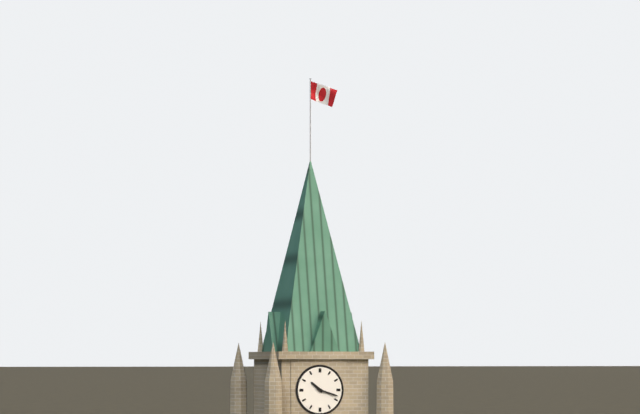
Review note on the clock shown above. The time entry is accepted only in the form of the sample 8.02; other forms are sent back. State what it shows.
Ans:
10.18
